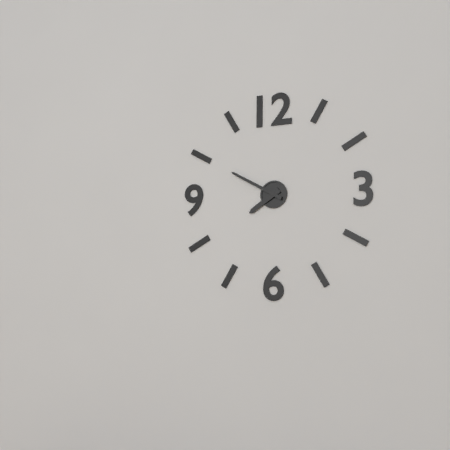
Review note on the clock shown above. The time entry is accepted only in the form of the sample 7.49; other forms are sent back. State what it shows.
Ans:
7.50
